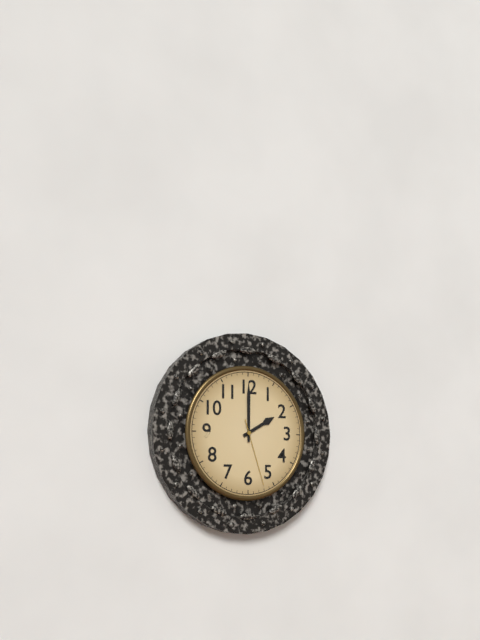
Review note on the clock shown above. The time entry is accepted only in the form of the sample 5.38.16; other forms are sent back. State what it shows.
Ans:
2.00.27
